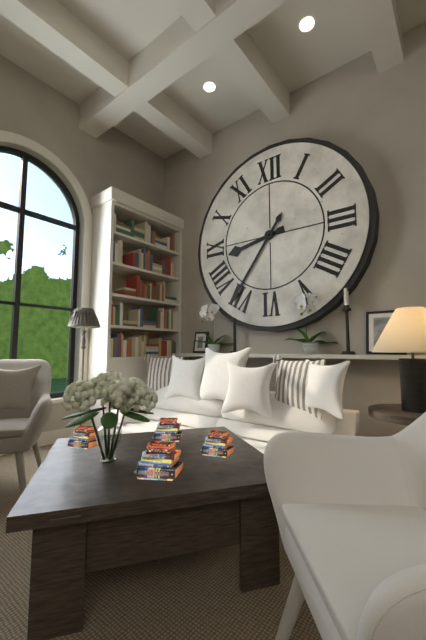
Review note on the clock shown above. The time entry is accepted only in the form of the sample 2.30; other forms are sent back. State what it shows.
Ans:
8.36
